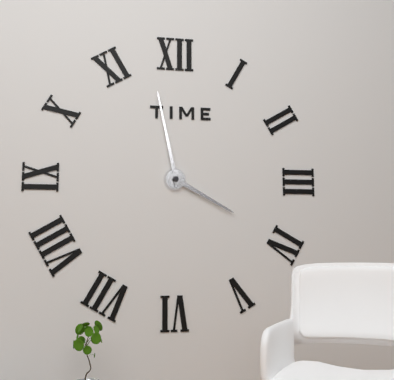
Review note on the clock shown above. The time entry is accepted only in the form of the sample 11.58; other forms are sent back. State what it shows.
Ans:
3.58
